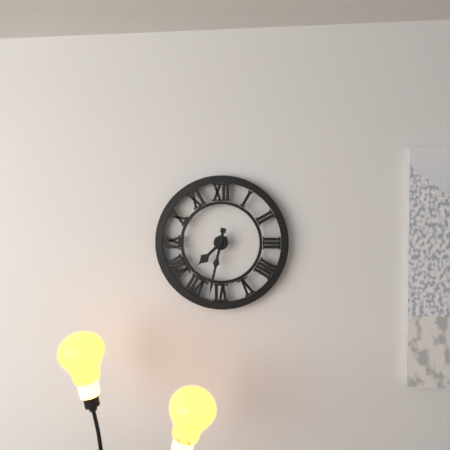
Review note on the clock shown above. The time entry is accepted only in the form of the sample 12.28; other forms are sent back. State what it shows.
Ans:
7.32
